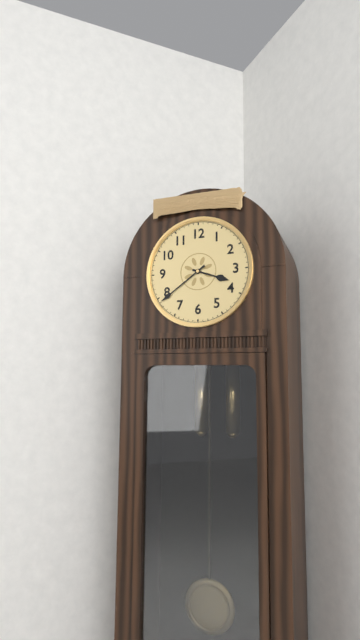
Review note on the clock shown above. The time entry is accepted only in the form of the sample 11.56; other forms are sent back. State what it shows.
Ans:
3.39
